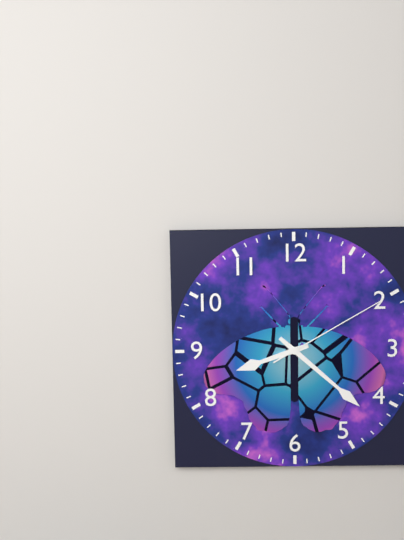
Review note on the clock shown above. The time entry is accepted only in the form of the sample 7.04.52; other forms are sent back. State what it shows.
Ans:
8.22.10
